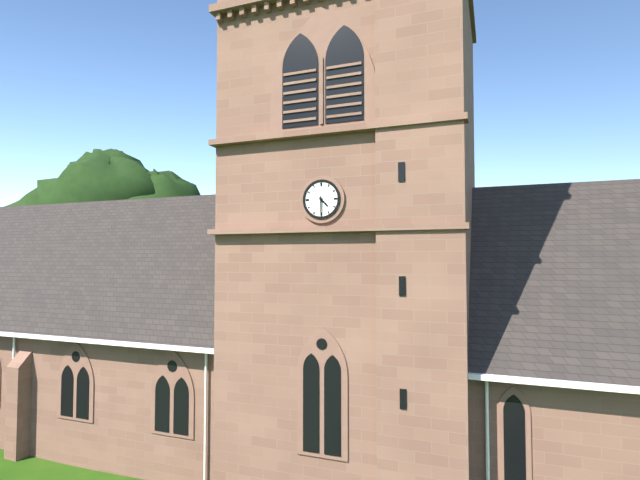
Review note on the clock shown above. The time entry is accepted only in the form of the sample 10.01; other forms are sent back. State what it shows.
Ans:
4.30
